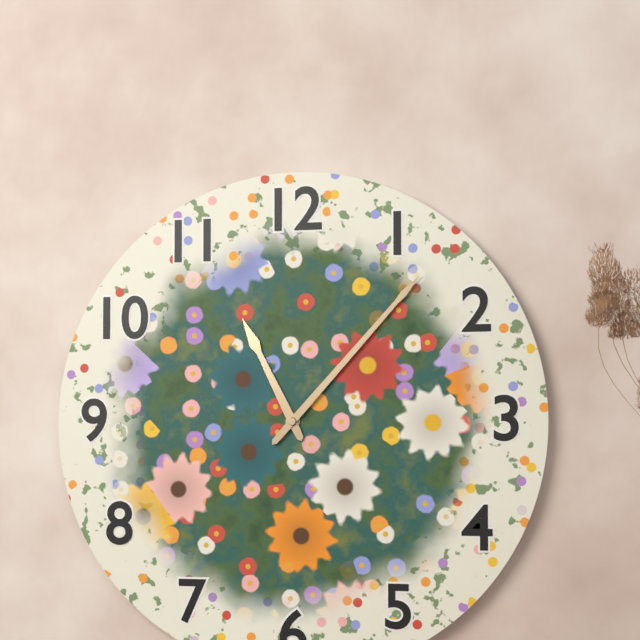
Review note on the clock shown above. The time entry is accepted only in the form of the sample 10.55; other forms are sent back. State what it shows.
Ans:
11.07
